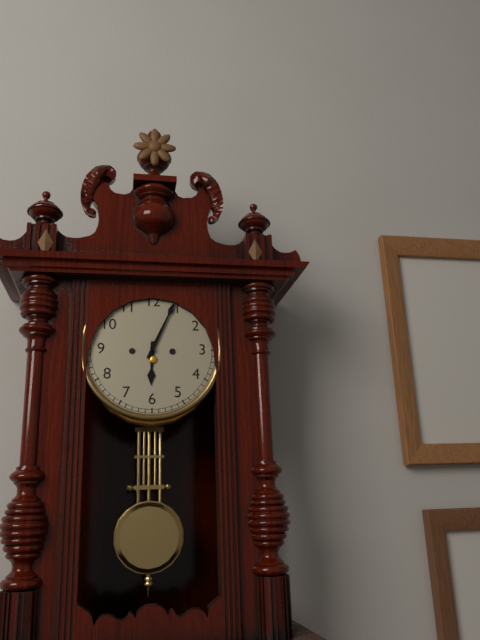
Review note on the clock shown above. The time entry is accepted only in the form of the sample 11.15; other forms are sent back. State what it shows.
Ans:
6.04
